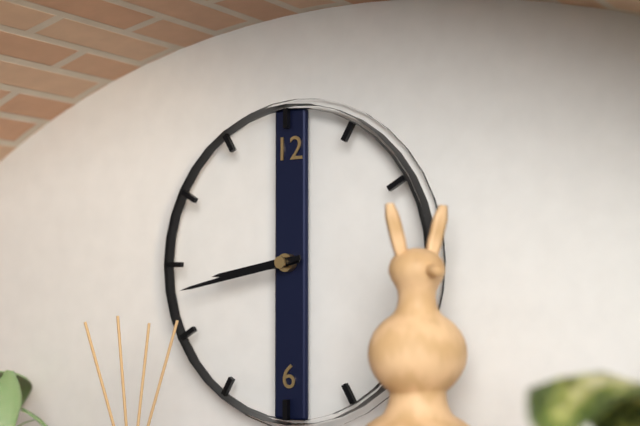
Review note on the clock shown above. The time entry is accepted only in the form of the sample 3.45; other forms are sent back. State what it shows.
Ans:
8.43
